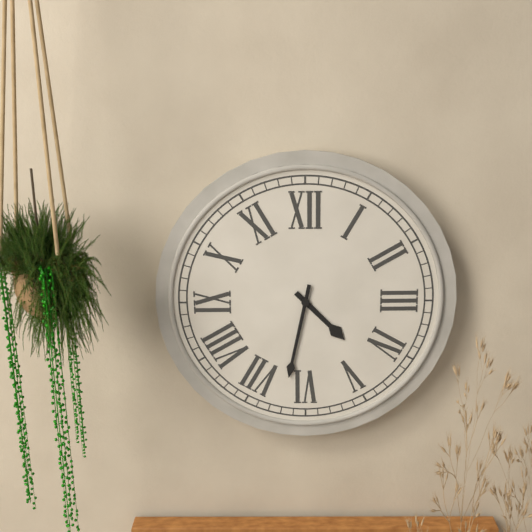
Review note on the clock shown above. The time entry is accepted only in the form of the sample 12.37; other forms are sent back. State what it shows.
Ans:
4.32
